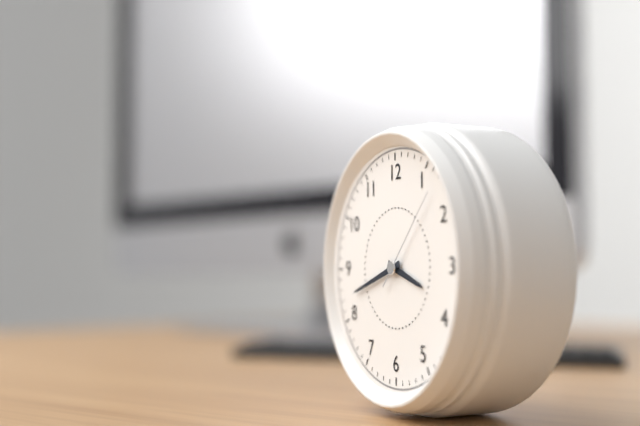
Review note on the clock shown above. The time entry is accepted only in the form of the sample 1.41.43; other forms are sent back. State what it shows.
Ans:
3.42.07
